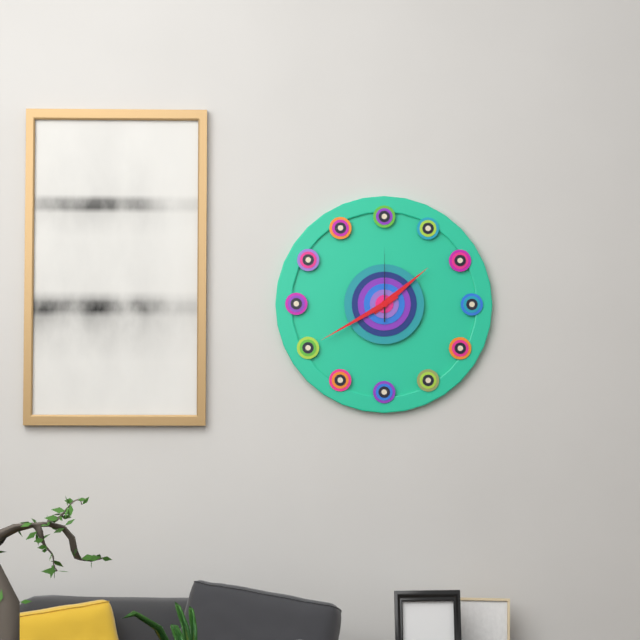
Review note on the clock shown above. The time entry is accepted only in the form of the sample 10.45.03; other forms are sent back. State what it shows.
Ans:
1.40.00
